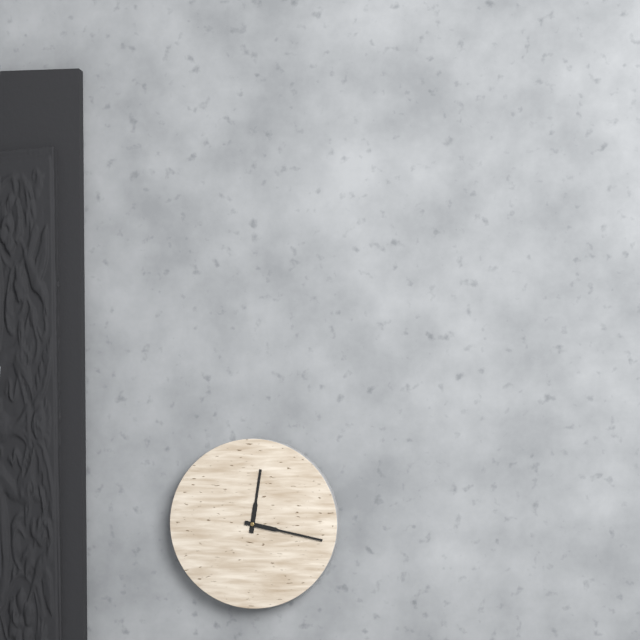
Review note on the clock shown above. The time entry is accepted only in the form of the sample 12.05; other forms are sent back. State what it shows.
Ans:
12.17
